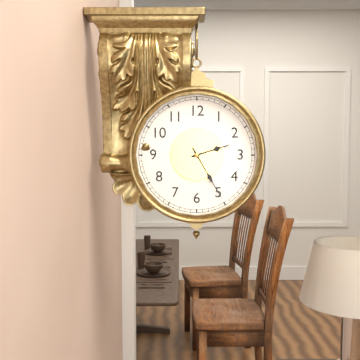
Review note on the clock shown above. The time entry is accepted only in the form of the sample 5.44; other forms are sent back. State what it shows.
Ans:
2.25
